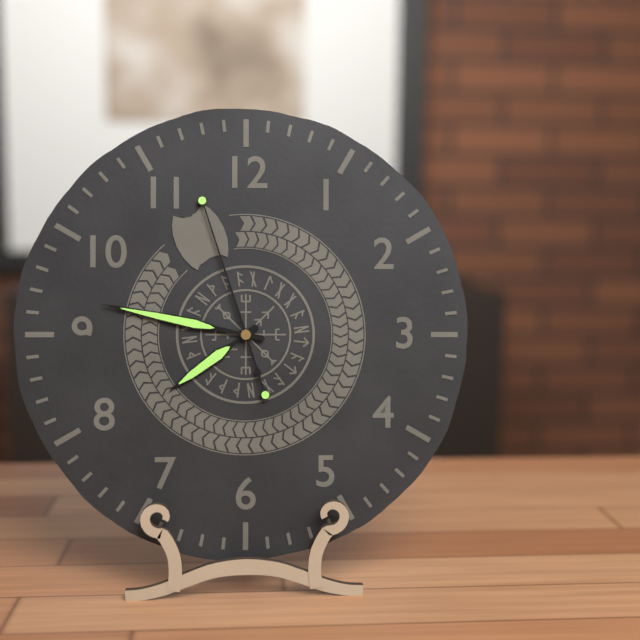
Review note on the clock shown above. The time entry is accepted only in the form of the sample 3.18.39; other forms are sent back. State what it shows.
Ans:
7.47.57
